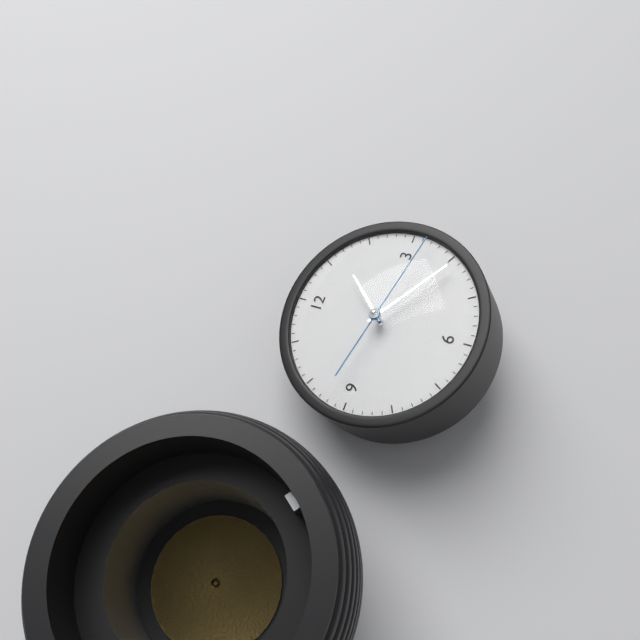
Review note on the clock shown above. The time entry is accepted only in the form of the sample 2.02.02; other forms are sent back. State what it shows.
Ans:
1.21.17
